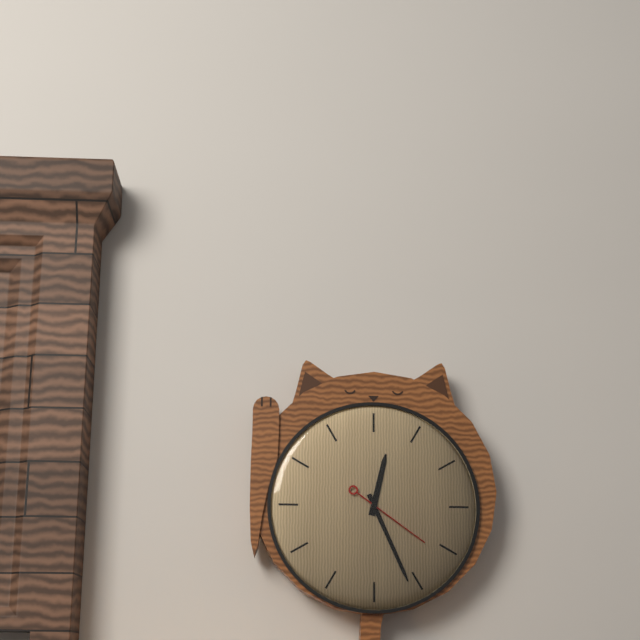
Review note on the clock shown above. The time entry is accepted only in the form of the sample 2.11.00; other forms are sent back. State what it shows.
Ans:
12.26.21
